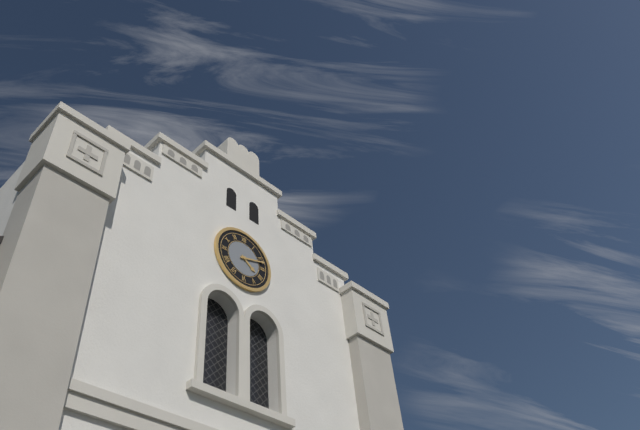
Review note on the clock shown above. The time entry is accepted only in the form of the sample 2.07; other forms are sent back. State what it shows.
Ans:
4.12
